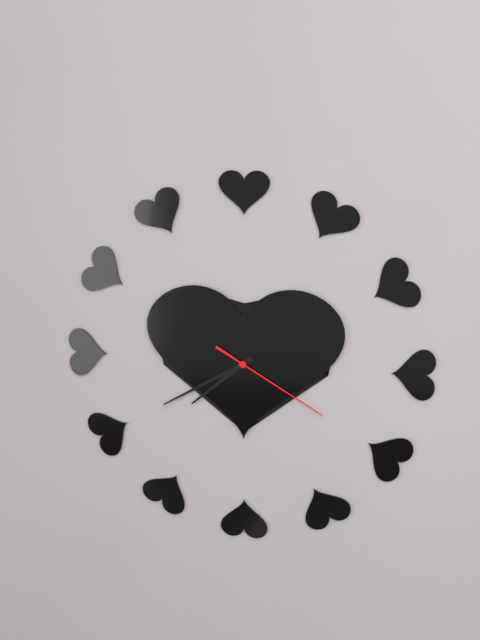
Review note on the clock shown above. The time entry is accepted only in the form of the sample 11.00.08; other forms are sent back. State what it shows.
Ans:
7.40.20
